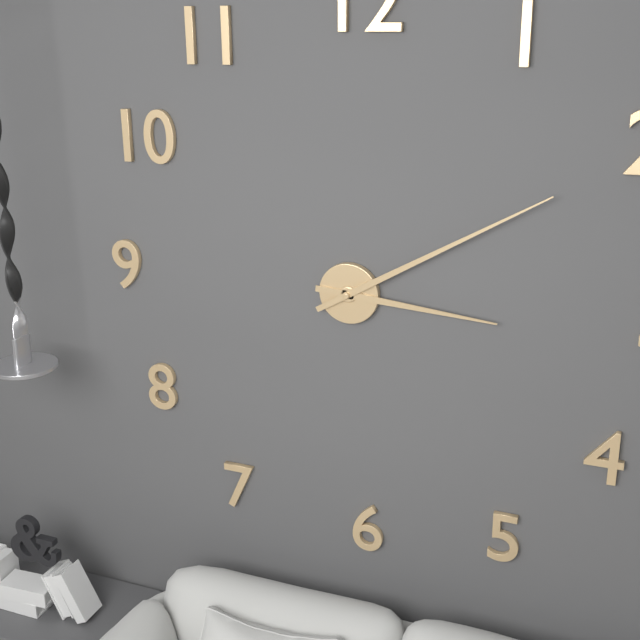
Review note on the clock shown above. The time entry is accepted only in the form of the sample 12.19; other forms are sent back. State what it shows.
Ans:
3.10
